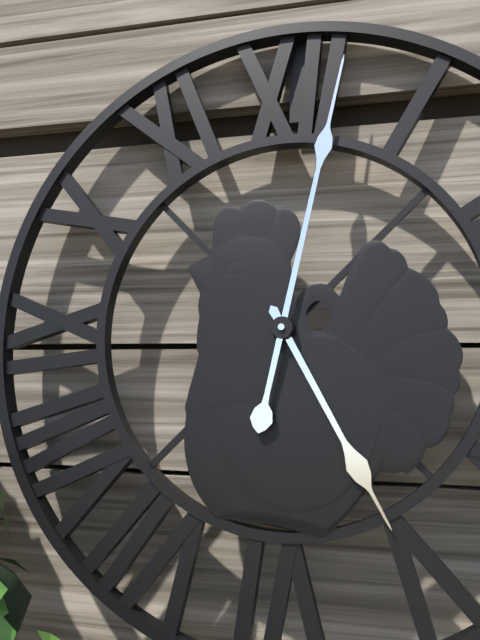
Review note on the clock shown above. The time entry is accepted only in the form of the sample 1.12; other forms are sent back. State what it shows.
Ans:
5.02
